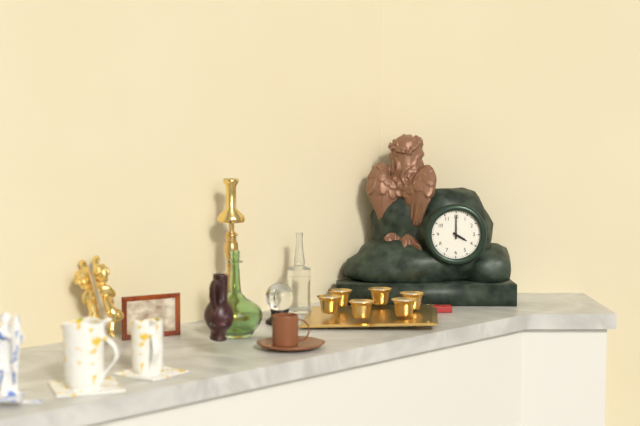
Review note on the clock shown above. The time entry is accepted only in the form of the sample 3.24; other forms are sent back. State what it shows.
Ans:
4.00
